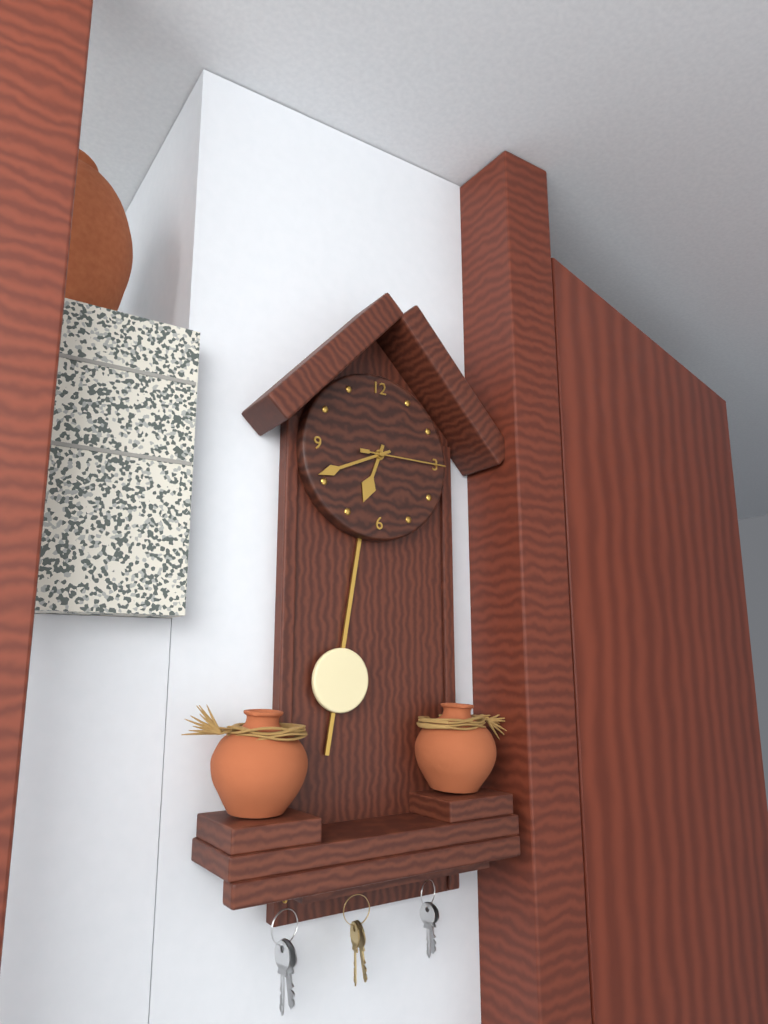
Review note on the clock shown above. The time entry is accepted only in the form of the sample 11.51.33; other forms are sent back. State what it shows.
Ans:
6.41.15
